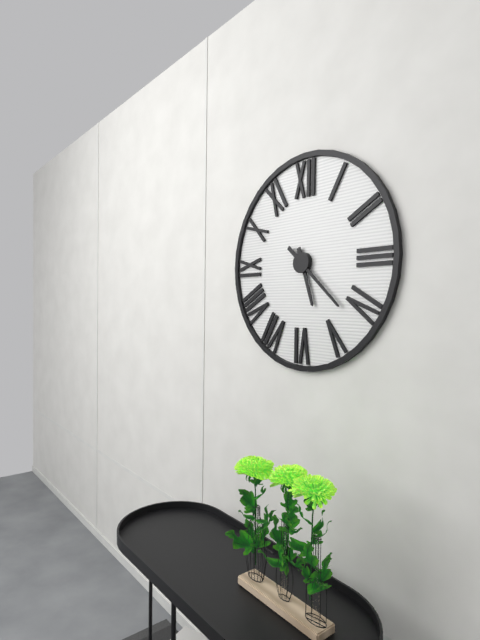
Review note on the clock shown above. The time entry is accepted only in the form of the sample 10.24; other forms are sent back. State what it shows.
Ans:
5.22
